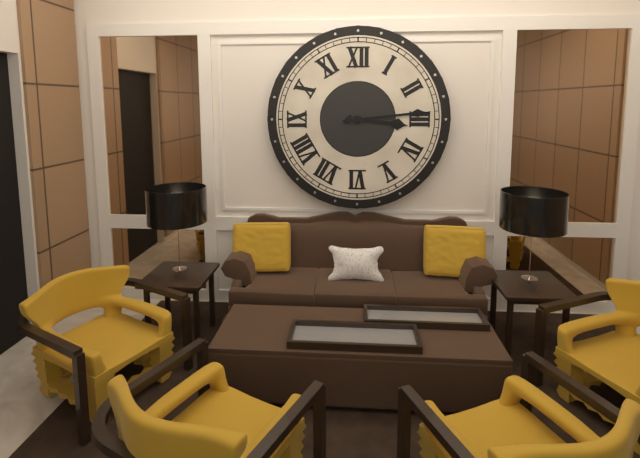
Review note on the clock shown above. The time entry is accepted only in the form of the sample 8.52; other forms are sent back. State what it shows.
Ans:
3.14
